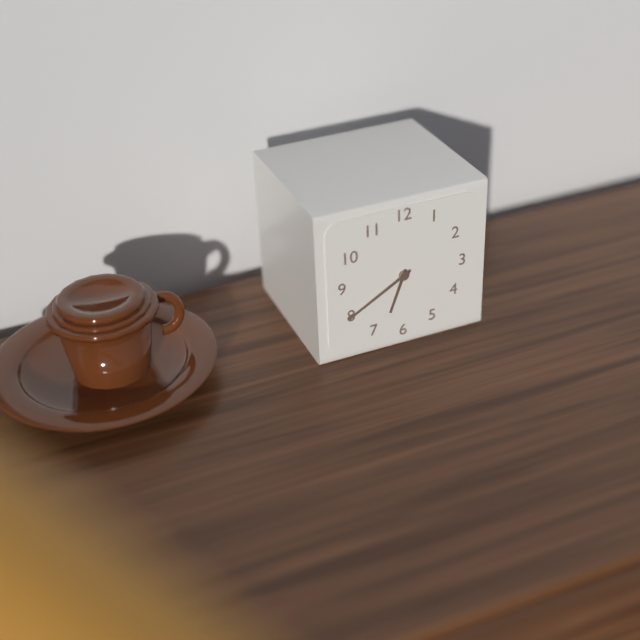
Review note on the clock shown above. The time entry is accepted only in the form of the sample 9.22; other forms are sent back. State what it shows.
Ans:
6.40
